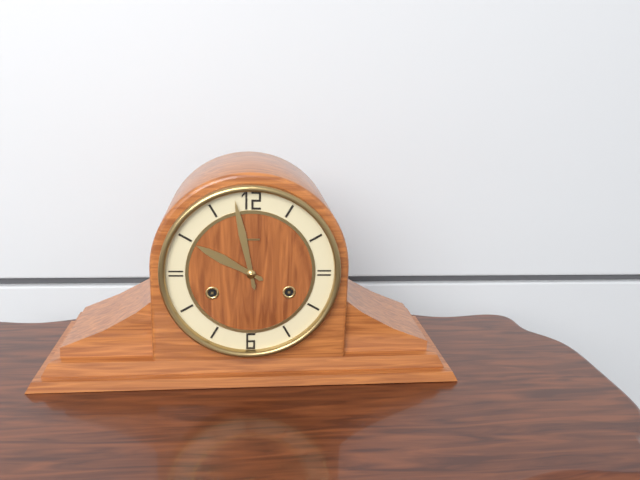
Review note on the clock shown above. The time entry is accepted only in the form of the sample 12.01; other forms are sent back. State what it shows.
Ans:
9.58
